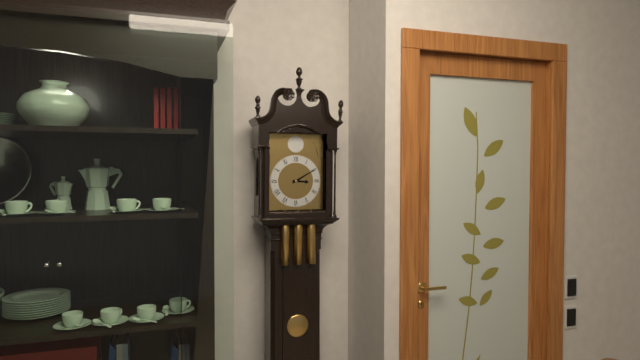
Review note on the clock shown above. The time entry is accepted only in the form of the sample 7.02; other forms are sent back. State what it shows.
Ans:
3.10
